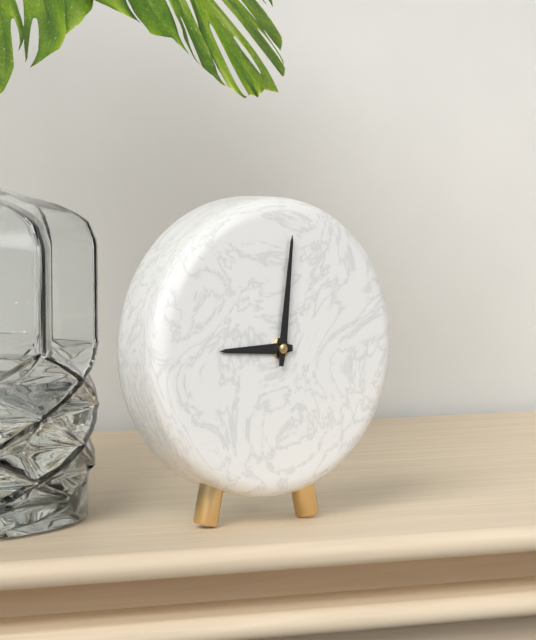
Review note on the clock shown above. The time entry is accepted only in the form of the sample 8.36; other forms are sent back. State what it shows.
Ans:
9.01
